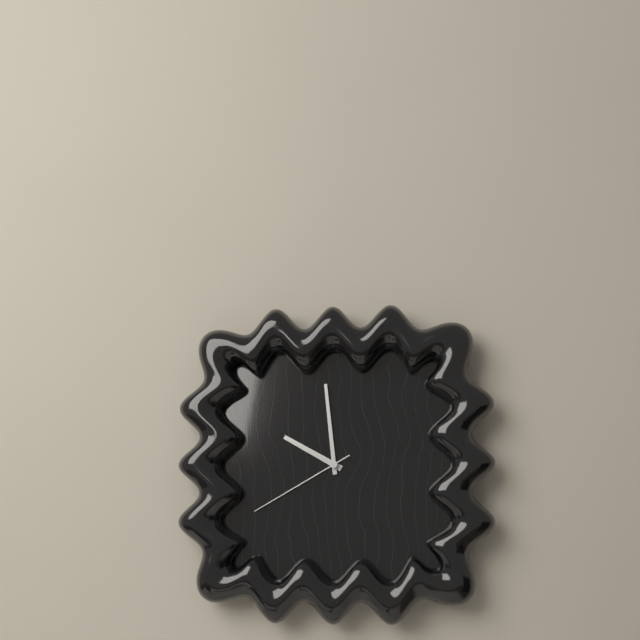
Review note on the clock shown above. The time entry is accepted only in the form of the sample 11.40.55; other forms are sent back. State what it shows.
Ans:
9.59.40
